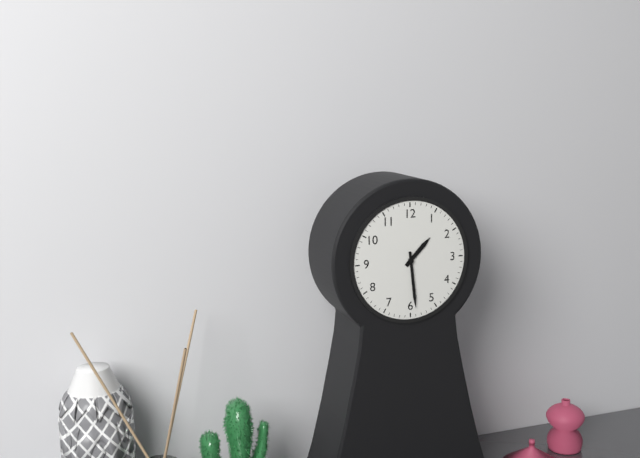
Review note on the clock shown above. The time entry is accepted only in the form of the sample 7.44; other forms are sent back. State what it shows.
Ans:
1.29
